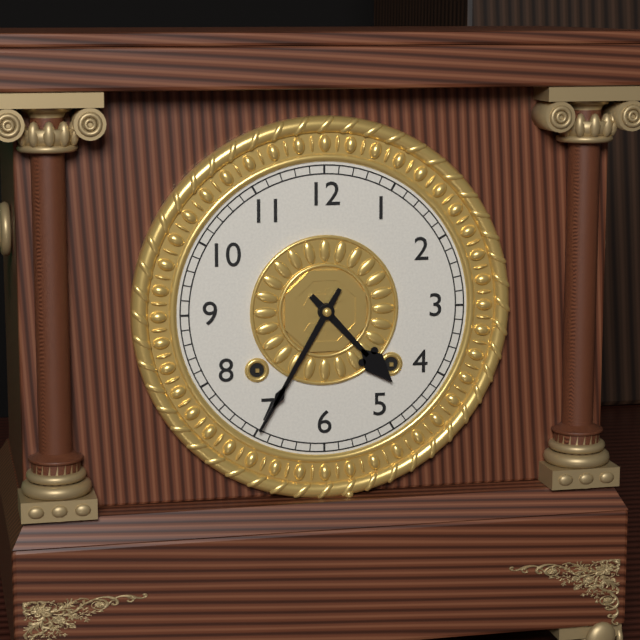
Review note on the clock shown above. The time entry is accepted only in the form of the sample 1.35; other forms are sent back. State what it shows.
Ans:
4.35
